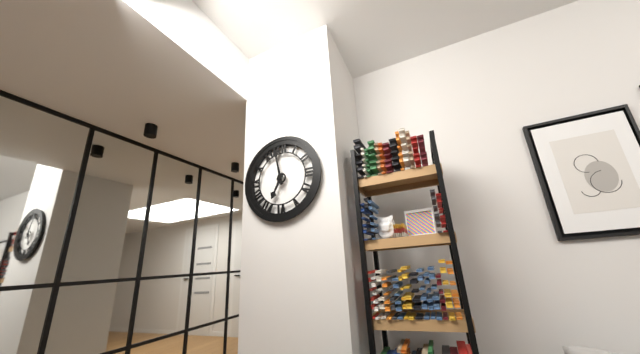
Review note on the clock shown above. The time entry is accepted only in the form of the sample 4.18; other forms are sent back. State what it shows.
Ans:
6.58
